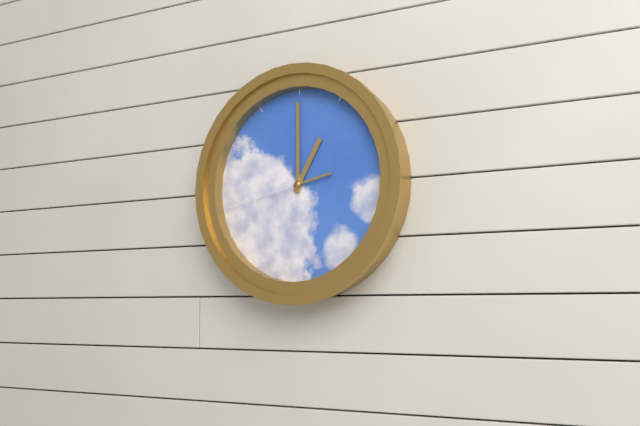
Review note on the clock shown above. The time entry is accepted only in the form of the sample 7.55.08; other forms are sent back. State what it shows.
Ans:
1.00.43
